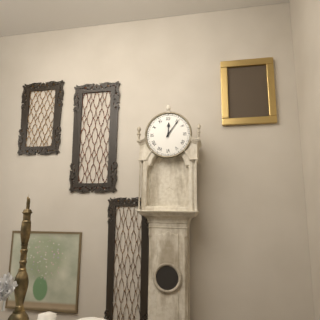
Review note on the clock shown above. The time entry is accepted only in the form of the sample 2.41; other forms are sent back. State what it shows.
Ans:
12.06
